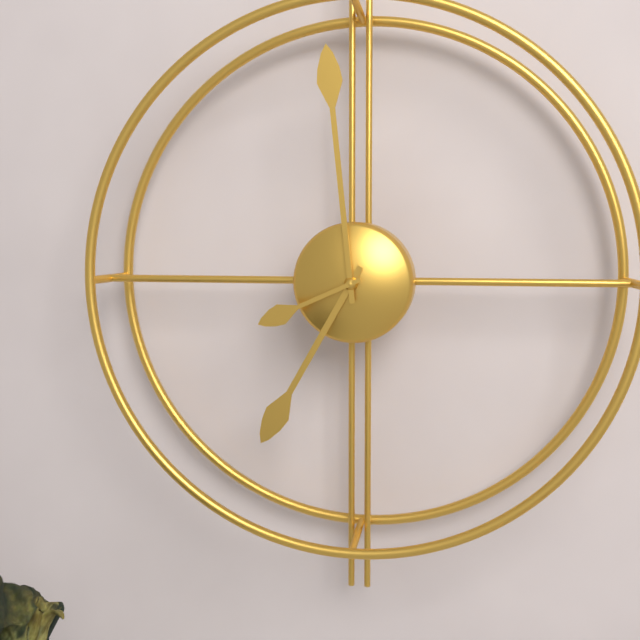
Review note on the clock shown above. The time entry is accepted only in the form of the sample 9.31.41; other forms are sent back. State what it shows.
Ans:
6.59.41
